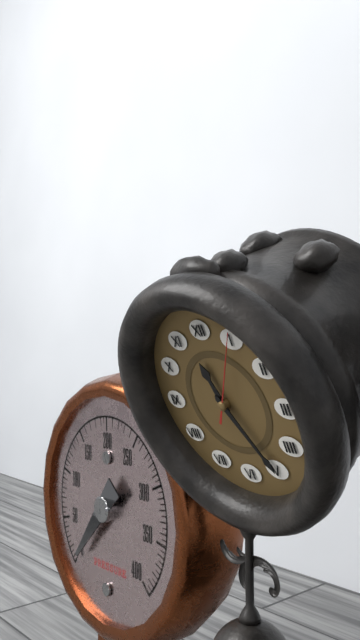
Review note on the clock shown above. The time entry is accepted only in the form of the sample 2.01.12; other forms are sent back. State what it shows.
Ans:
11.25.05
